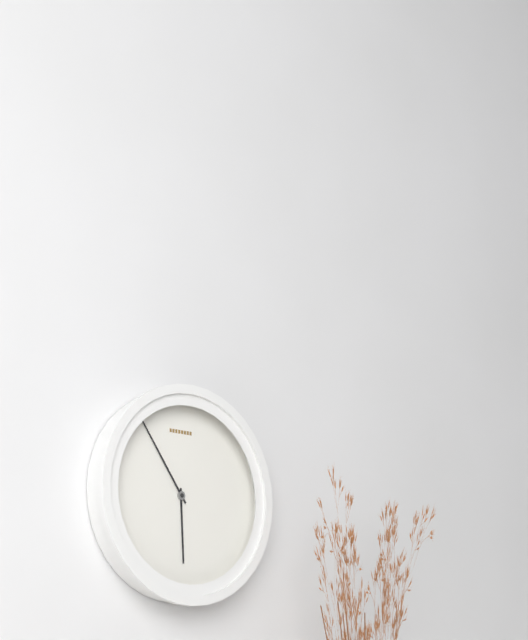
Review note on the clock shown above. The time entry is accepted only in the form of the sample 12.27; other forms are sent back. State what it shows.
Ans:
5.54
